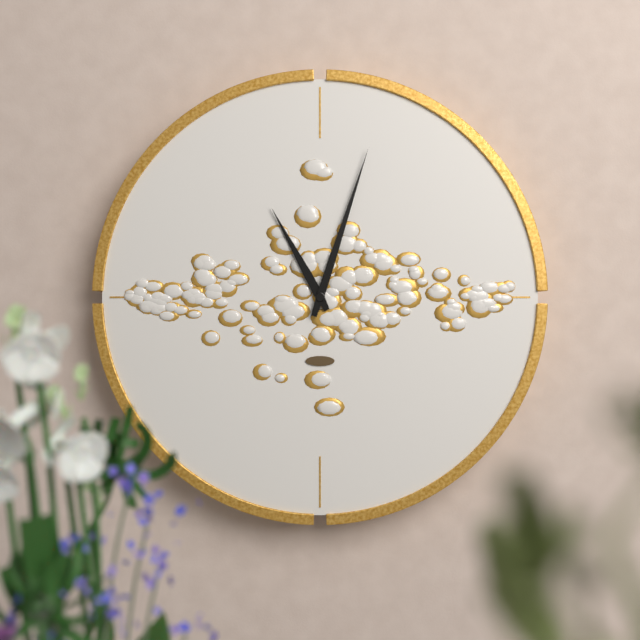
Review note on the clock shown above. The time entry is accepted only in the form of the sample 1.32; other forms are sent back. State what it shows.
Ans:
11.03
